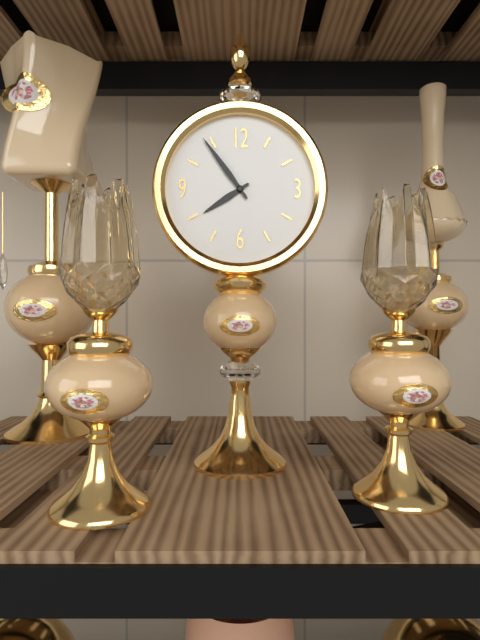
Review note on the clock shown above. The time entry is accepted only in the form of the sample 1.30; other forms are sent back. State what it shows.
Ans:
7.54
